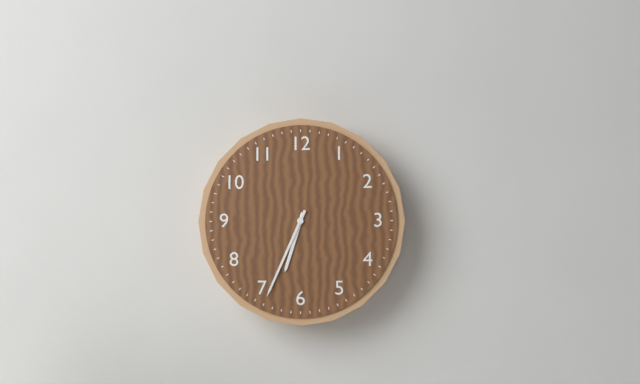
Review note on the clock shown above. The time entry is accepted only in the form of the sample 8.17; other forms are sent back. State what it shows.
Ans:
6.34
